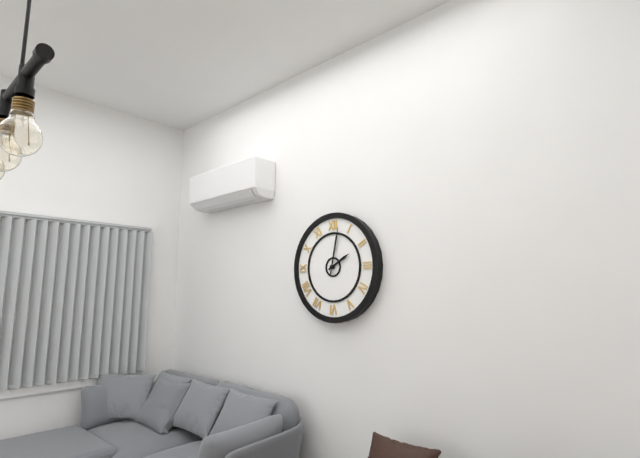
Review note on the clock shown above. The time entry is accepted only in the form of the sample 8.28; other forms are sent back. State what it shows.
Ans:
2.02
